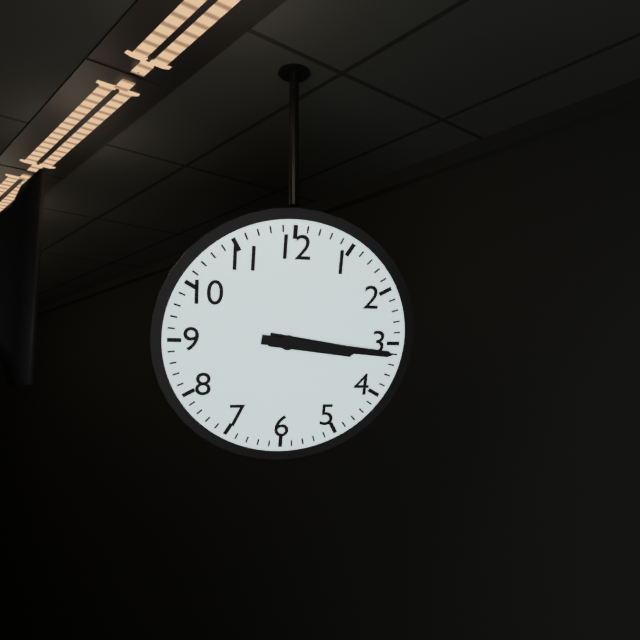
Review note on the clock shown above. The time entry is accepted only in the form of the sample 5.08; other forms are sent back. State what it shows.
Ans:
3.16
